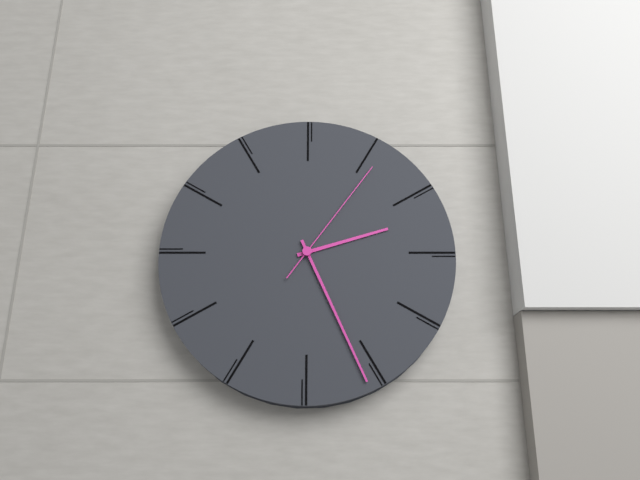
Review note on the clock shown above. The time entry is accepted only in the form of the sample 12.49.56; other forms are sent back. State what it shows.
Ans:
2.26.06
